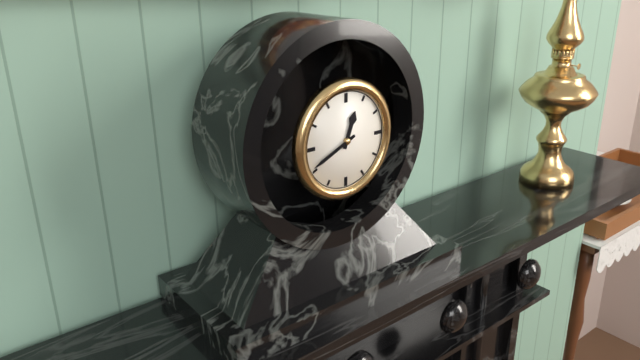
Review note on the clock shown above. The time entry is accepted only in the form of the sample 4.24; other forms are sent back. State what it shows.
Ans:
12.41
